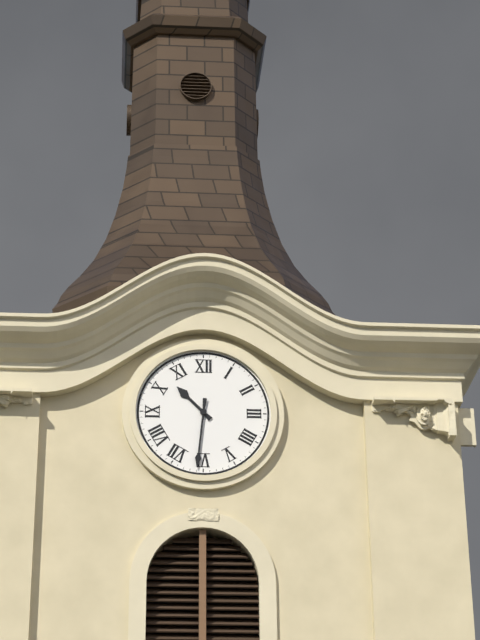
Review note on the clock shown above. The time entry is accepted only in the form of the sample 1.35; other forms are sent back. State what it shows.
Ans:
10.31
